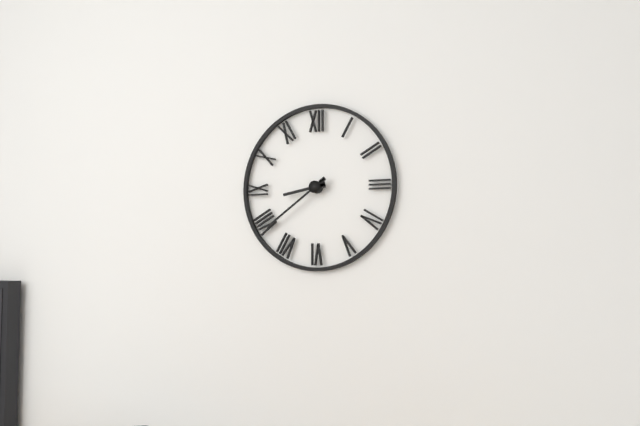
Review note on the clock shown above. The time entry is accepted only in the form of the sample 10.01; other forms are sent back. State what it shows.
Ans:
8.39
